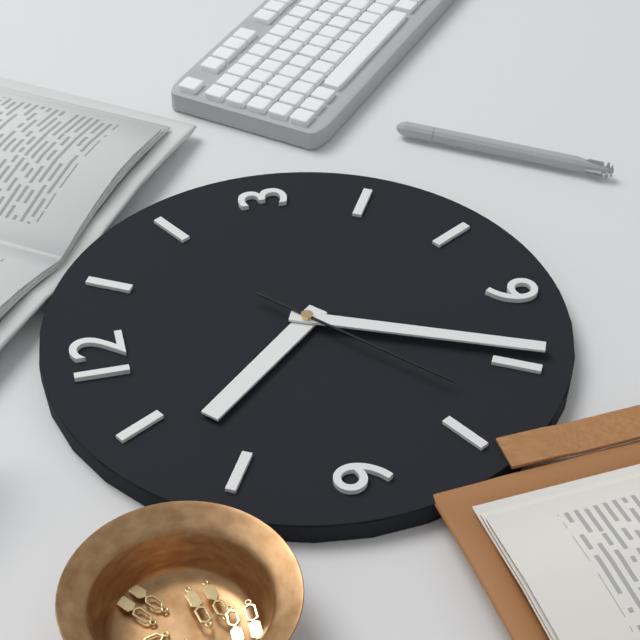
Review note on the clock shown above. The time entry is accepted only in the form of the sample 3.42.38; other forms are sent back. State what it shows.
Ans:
10.34.38
